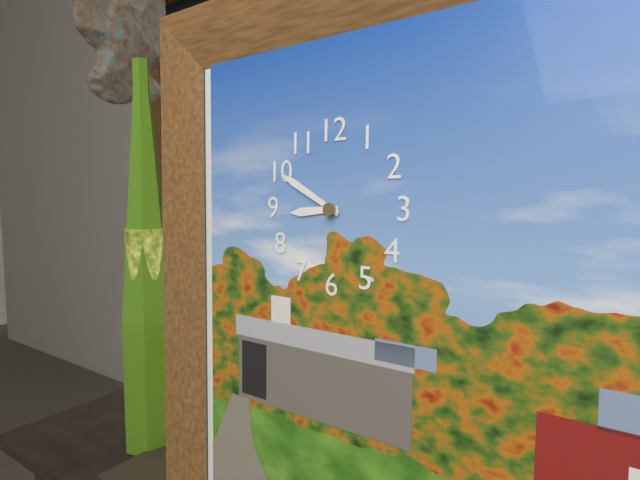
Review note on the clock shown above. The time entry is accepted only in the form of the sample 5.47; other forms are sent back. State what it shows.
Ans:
8.50
